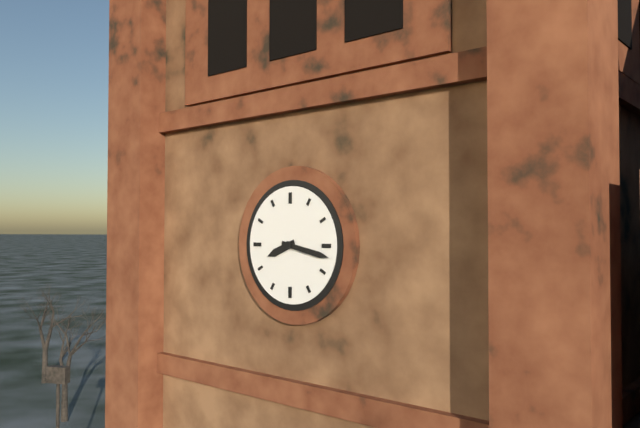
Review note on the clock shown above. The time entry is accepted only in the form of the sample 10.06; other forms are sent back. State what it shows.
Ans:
8.17
